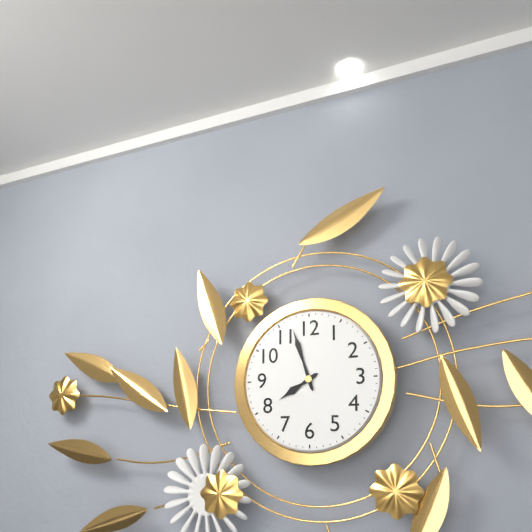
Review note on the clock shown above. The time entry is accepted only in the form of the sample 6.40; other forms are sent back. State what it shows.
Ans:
7.57
